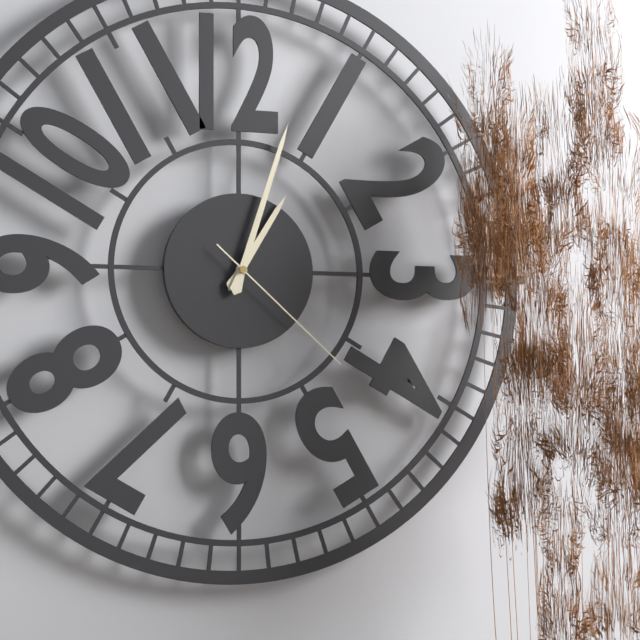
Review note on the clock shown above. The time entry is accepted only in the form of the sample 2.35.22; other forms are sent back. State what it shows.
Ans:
1.03.22
